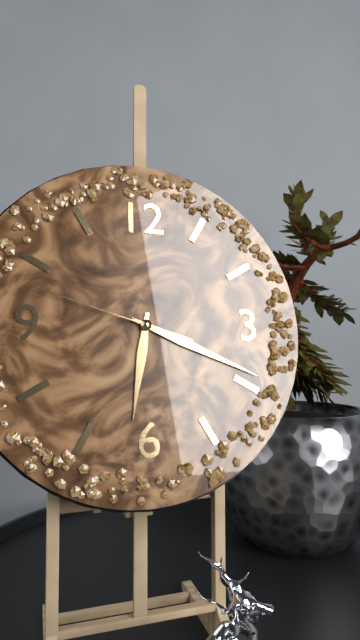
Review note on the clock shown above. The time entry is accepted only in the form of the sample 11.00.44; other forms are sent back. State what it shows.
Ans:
6.19.48
